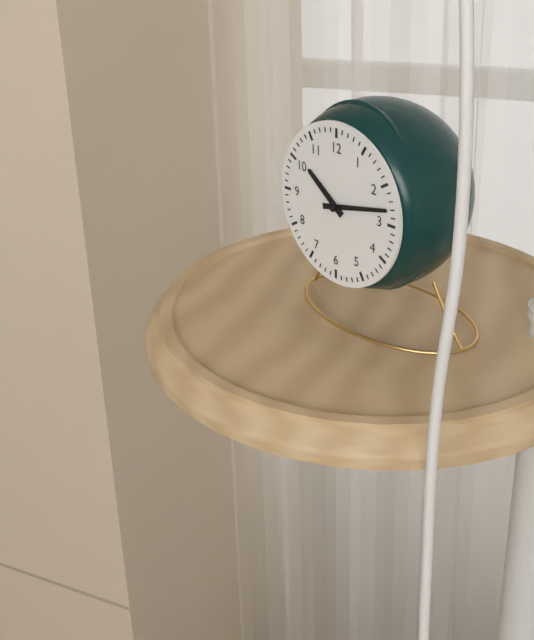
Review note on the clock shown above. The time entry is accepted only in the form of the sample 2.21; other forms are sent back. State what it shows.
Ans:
10.13
